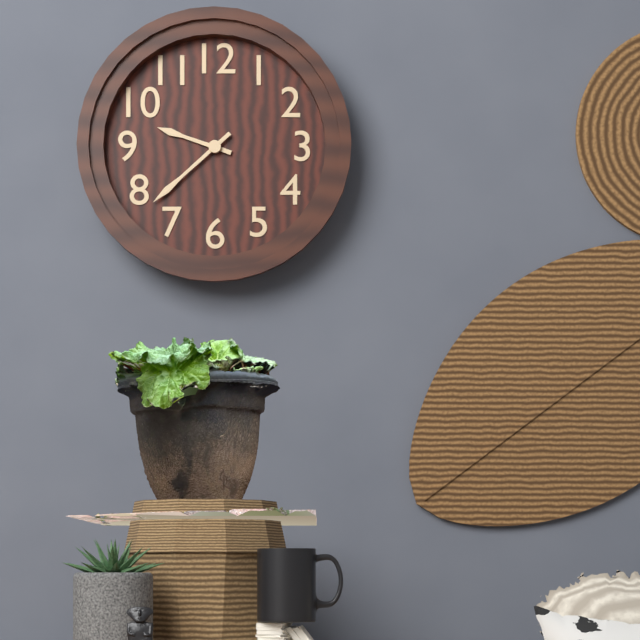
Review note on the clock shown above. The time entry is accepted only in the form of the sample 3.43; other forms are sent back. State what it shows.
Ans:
9.38
